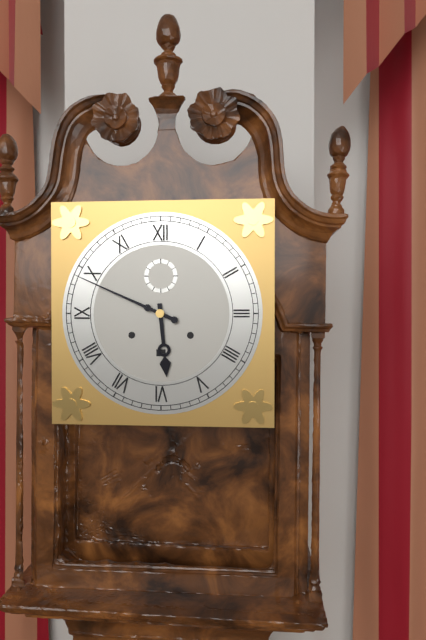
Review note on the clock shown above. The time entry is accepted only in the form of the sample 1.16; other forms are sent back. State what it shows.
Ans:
5.49
